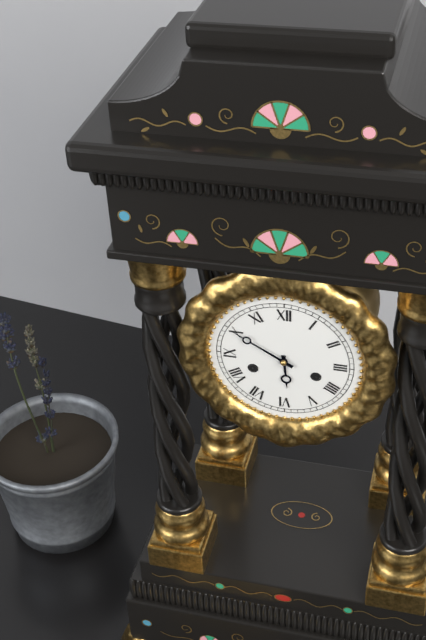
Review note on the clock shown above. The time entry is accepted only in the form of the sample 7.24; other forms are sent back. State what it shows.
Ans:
5.50
